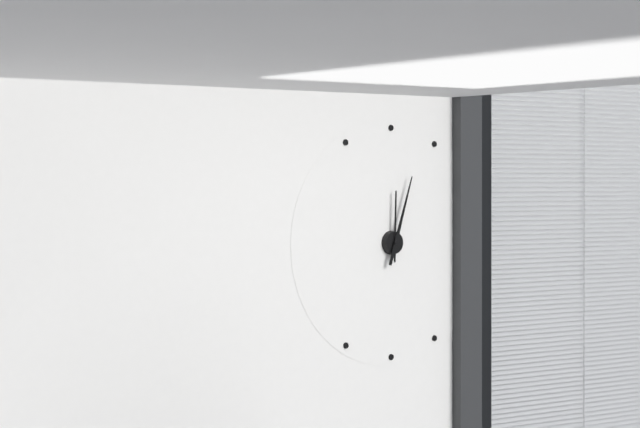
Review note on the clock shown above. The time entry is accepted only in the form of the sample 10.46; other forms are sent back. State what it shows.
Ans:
12.03
